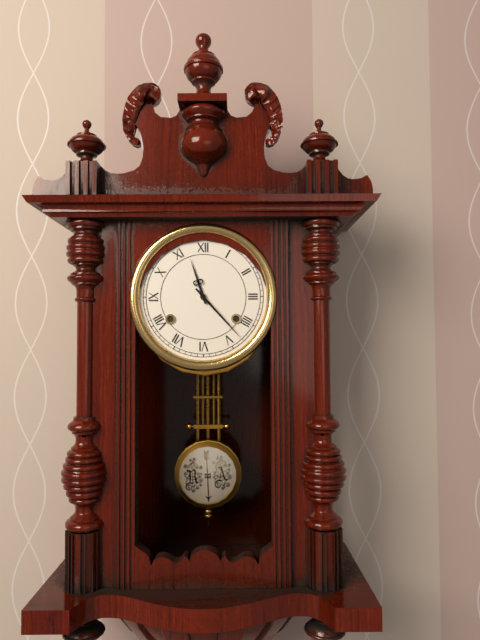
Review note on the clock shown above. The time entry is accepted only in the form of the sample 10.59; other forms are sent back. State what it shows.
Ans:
11.23
